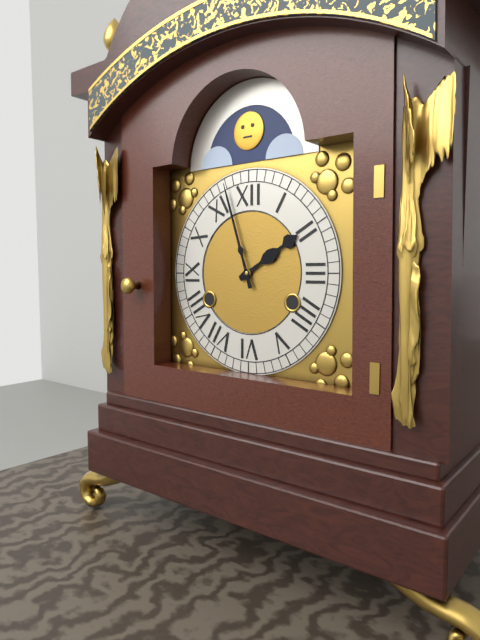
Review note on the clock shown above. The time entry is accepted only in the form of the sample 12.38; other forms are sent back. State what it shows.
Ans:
1.57
